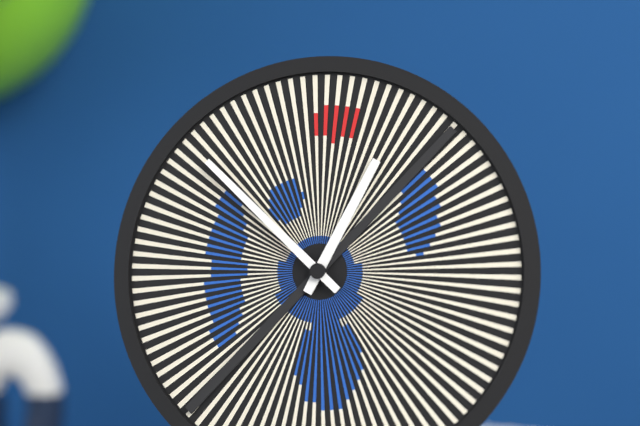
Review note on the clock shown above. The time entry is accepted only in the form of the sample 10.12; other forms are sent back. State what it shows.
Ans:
12.52
